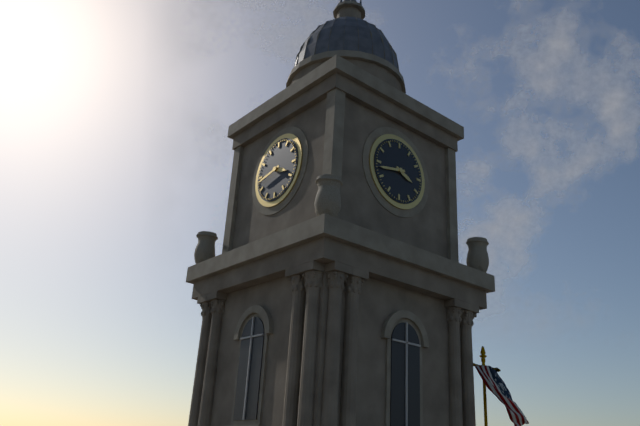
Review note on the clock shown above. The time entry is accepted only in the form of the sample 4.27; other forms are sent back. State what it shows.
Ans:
3.43
